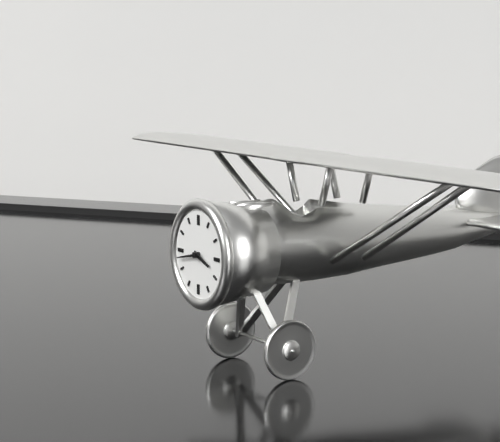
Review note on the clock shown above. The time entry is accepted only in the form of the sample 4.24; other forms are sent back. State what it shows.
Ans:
3.43
